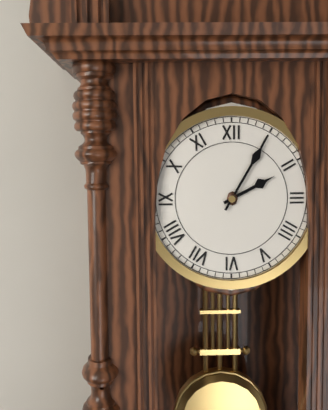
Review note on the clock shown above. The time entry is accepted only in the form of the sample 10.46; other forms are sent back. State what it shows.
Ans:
2.05
